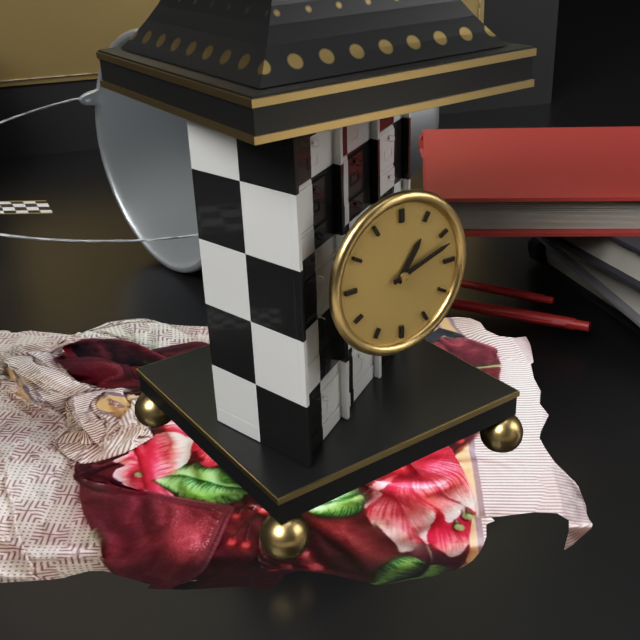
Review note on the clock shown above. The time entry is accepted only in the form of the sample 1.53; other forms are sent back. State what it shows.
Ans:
1.12
